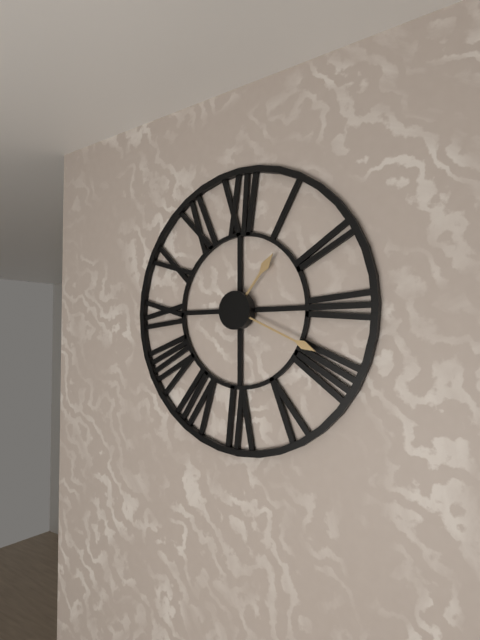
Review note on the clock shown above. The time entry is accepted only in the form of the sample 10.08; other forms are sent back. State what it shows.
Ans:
1.19
